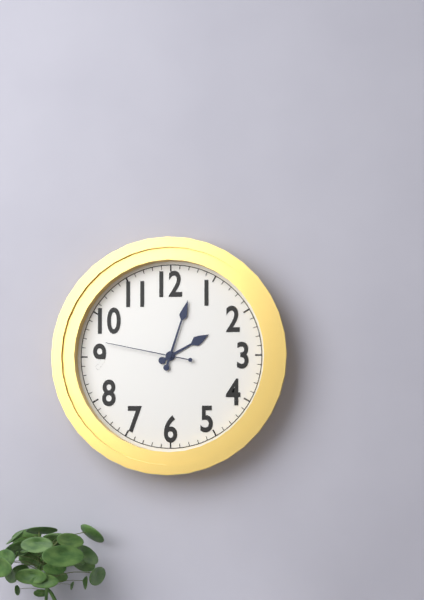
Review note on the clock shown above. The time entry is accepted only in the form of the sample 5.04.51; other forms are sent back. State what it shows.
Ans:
2.03.47
